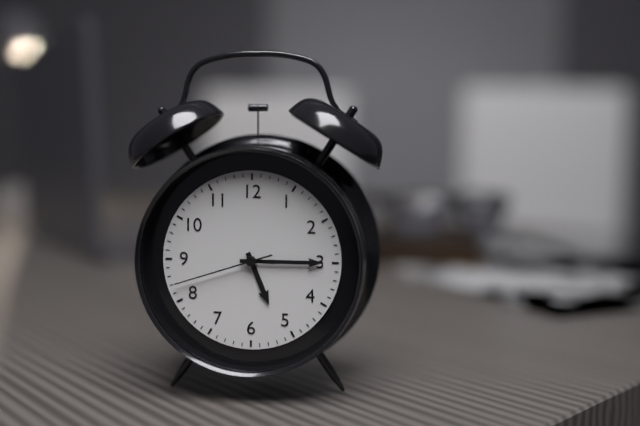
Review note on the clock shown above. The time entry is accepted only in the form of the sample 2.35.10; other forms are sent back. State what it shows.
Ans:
5.15.42
